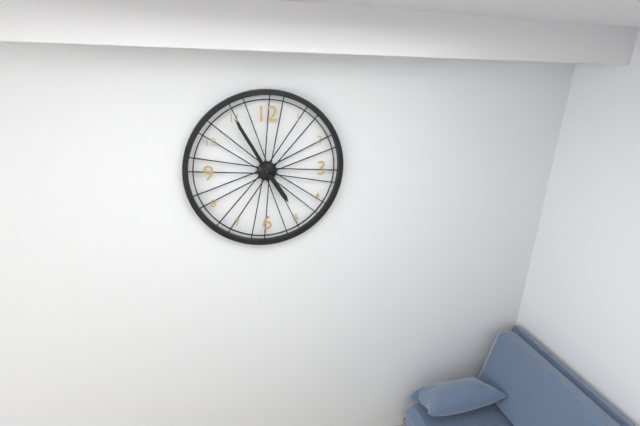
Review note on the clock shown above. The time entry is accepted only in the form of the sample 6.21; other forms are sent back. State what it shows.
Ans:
4.55
